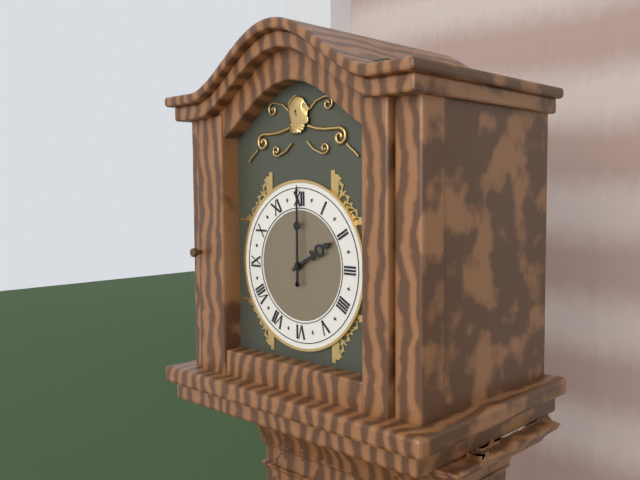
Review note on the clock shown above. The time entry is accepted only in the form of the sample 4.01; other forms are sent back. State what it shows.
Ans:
2.00
